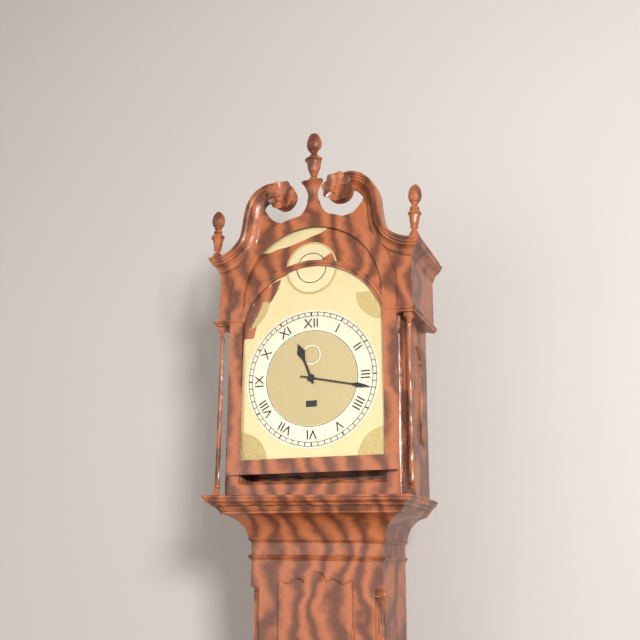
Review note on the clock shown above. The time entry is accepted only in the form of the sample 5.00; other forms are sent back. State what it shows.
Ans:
11.17
